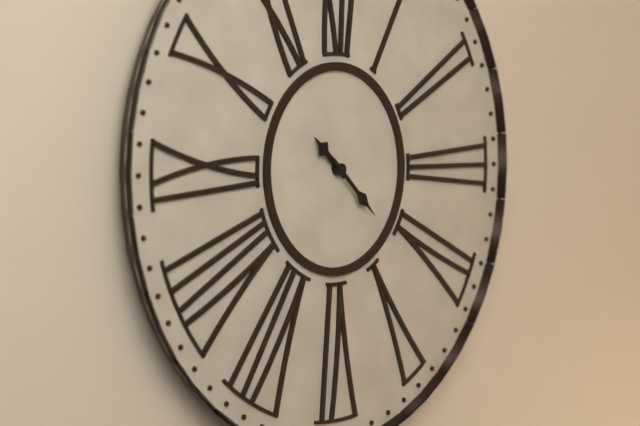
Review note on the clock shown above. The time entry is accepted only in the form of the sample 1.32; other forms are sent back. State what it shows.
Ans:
10.22
